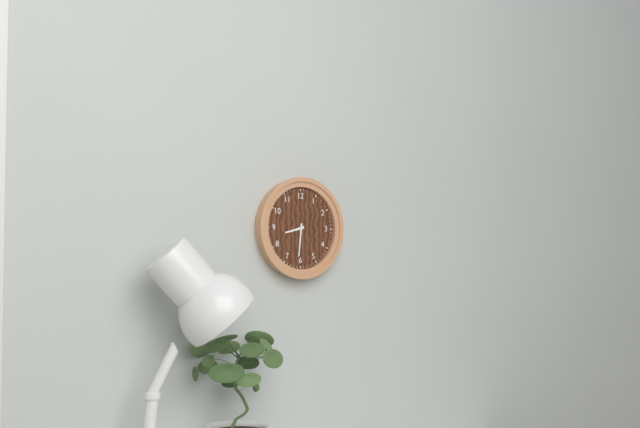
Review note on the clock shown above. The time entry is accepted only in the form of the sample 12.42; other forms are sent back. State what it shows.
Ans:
8.31
